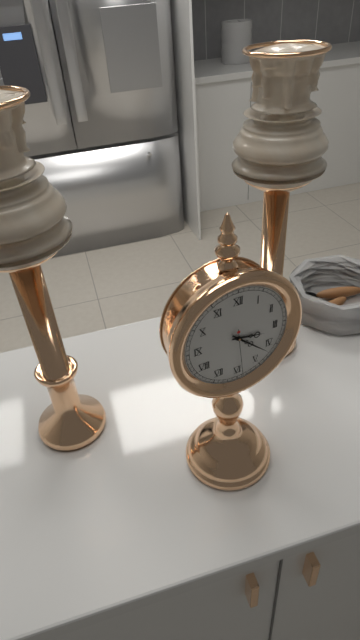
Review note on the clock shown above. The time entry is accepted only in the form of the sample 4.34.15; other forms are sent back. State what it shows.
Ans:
3.22.29
